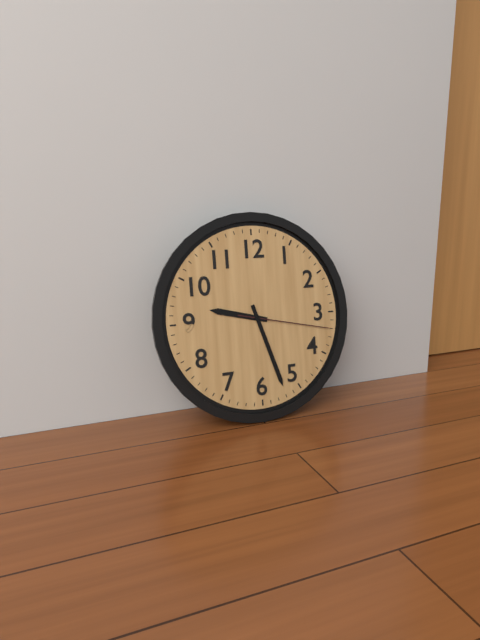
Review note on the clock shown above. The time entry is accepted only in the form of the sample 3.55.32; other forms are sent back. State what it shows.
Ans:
9.27.17
